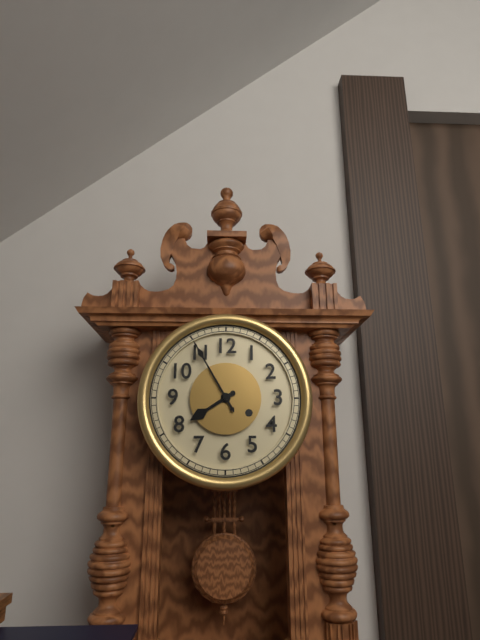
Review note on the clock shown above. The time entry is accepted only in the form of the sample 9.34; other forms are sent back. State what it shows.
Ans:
7.55
